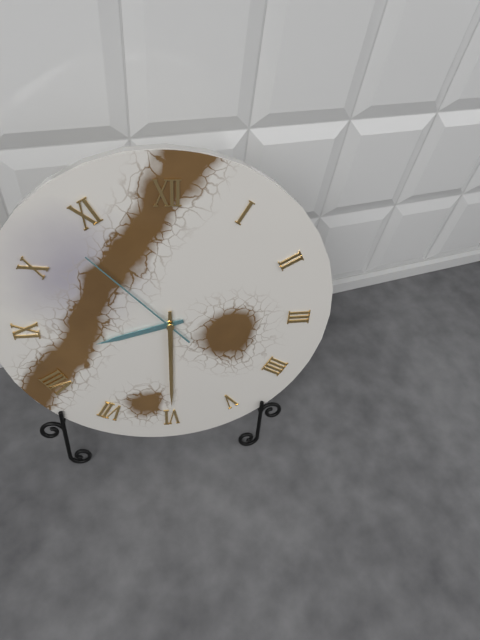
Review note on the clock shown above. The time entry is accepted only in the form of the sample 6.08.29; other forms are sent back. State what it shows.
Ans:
8.30.53
